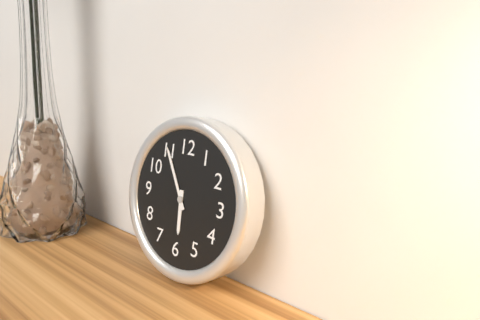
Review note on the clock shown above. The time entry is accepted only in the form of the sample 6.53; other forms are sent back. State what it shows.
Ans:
5.55
